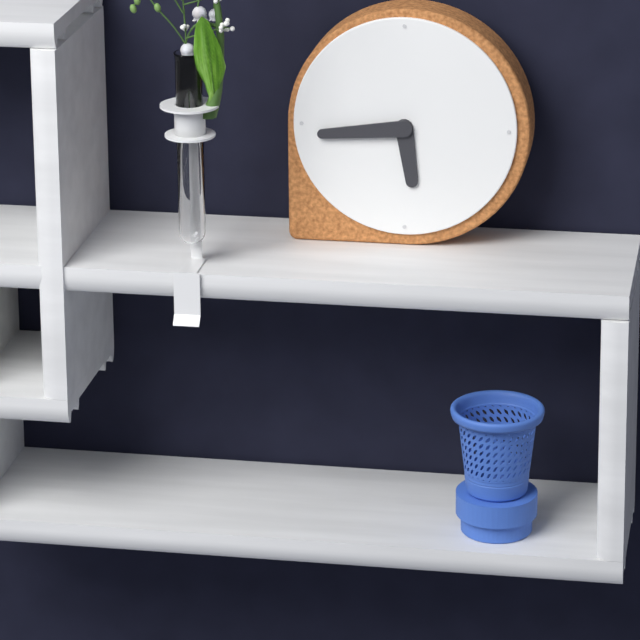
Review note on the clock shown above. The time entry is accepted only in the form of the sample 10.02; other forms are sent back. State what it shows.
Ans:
5.44
